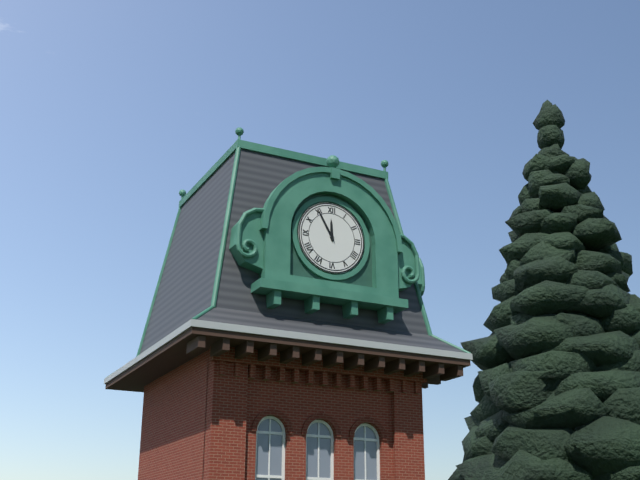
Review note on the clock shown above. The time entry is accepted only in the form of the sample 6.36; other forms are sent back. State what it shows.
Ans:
11.55
